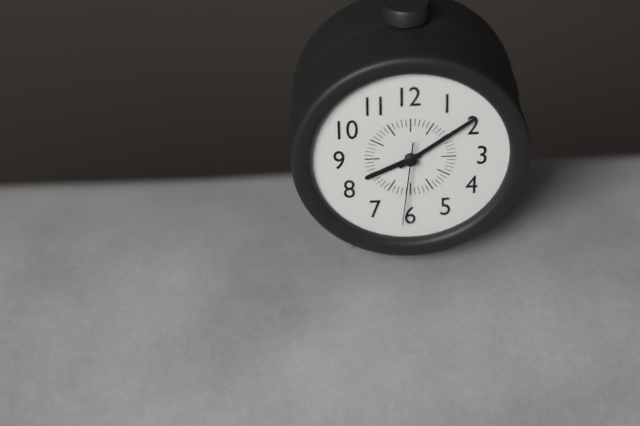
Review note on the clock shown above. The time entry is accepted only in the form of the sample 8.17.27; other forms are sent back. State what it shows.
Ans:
8.09.31
